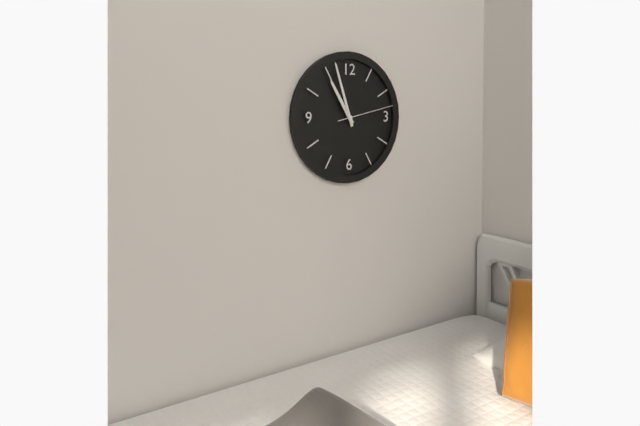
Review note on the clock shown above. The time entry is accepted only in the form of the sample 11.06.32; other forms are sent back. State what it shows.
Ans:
10.57.13
